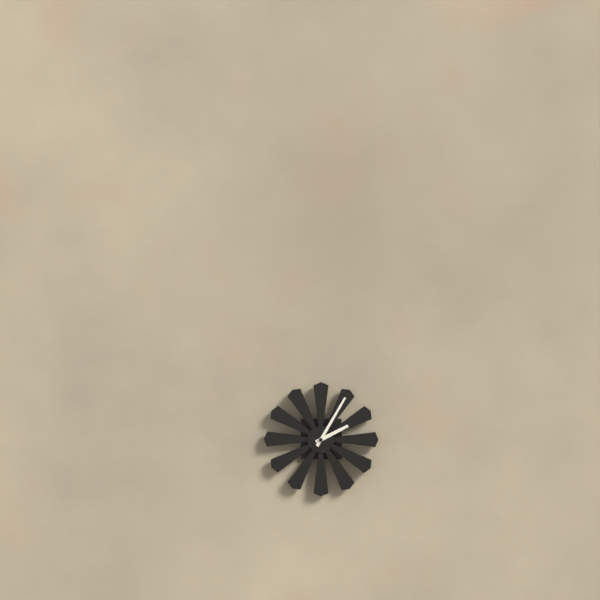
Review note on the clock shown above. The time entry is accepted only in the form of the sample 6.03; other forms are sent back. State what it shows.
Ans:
2.05
